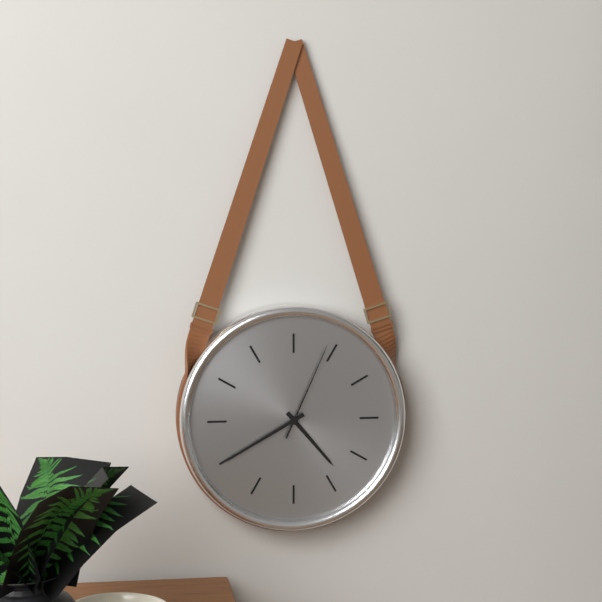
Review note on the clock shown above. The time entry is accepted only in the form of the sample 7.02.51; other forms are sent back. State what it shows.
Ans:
4.40.04
